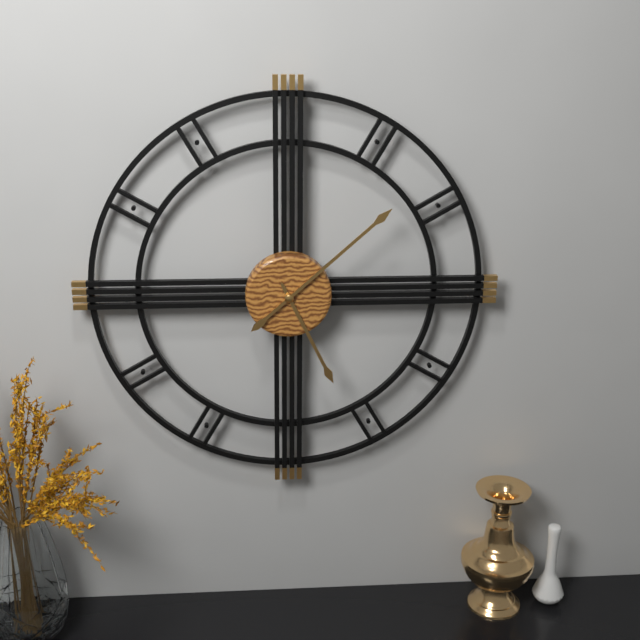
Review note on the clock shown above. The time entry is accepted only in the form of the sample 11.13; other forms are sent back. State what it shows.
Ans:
5.08
